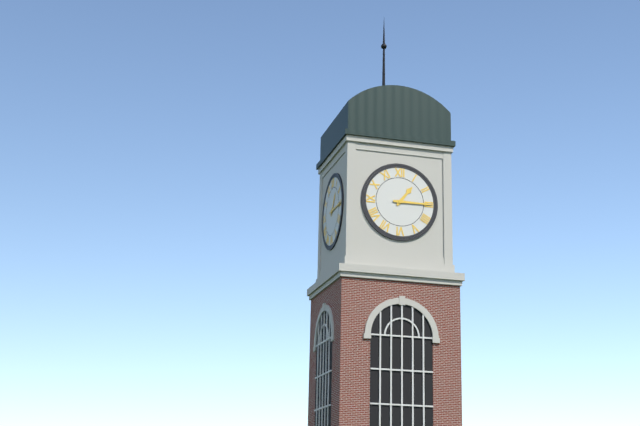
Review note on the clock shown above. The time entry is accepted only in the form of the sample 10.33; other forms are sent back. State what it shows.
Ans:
1.15
